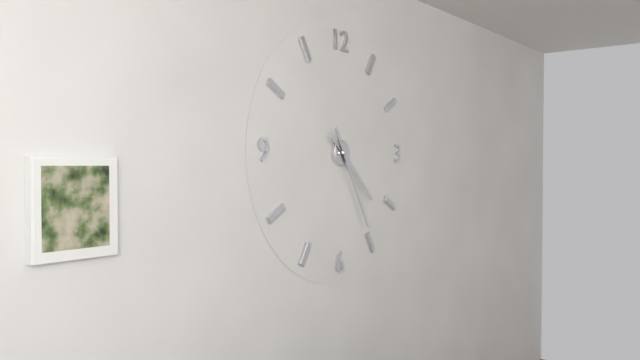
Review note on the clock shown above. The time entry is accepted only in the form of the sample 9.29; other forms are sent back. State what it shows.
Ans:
4.25
